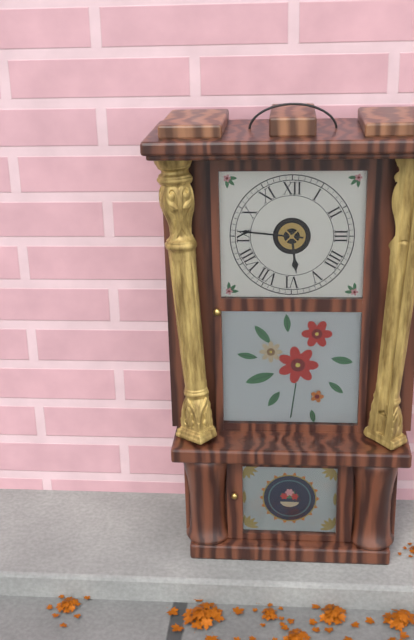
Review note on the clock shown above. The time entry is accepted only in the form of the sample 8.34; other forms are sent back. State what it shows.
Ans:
5.46
